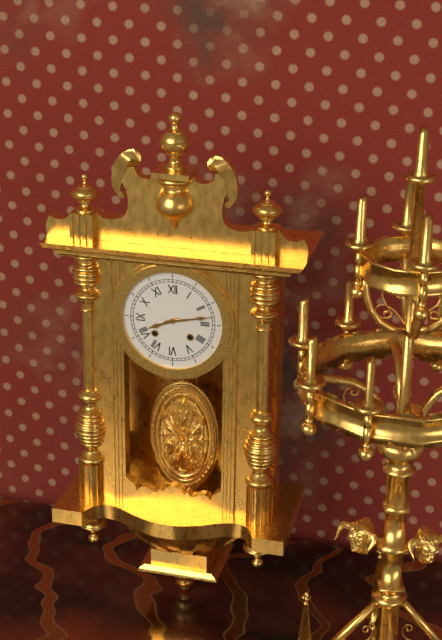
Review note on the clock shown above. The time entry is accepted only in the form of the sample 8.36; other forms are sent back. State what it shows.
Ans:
8.13
